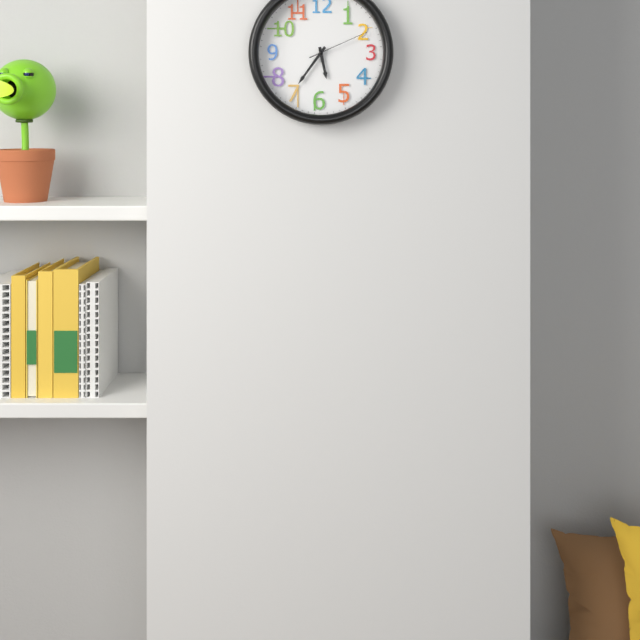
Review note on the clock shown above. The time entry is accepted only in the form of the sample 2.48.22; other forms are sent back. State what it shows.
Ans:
5.36.11
